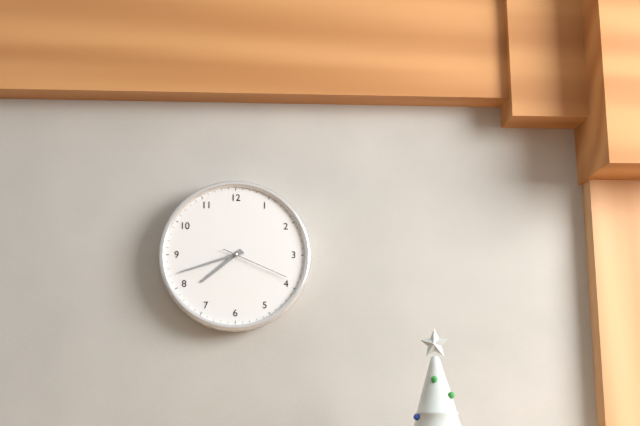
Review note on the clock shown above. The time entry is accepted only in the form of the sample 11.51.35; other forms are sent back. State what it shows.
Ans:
7.42.19
